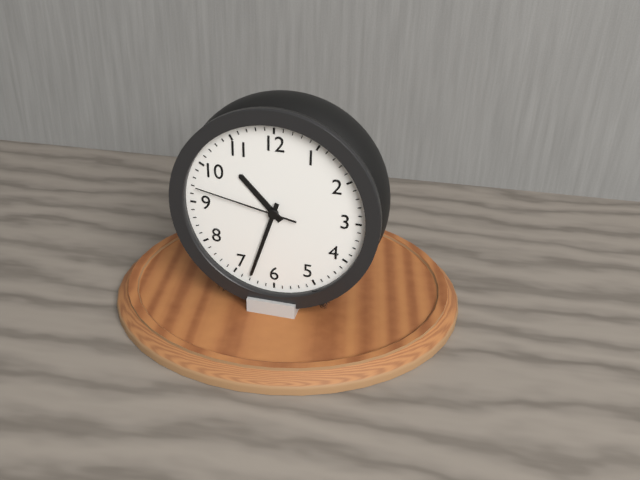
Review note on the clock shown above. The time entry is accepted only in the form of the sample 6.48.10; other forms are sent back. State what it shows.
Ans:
10.33.47
